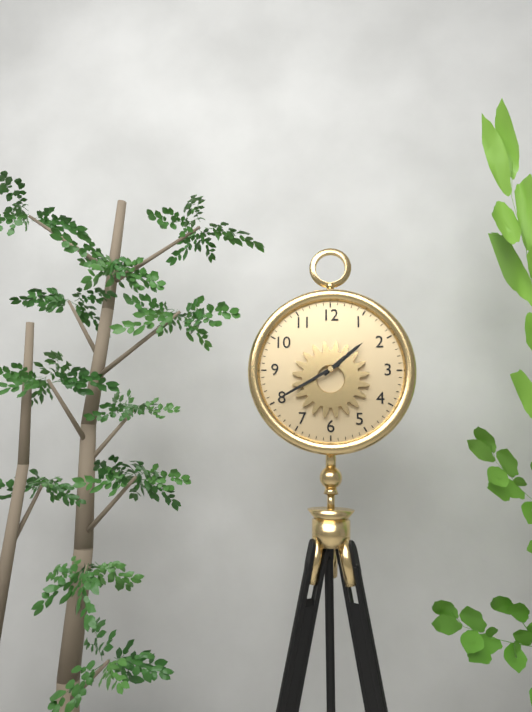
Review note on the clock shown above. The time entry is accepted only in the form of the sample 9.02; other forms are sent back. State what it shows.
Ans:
1.40
